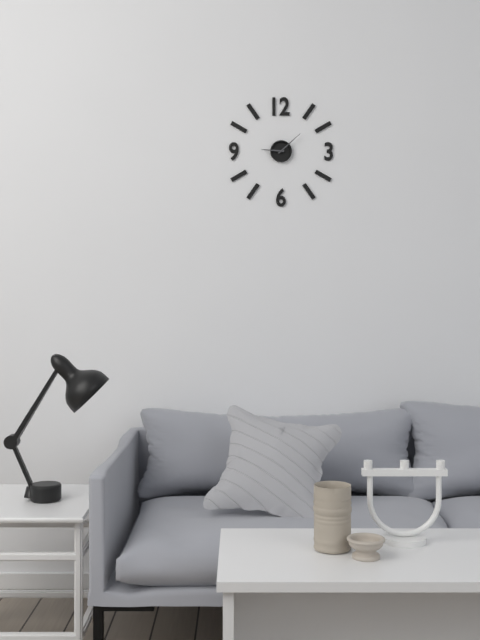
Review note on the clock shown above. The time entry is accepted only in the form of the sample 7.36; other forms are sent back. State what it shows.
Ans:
9.08
